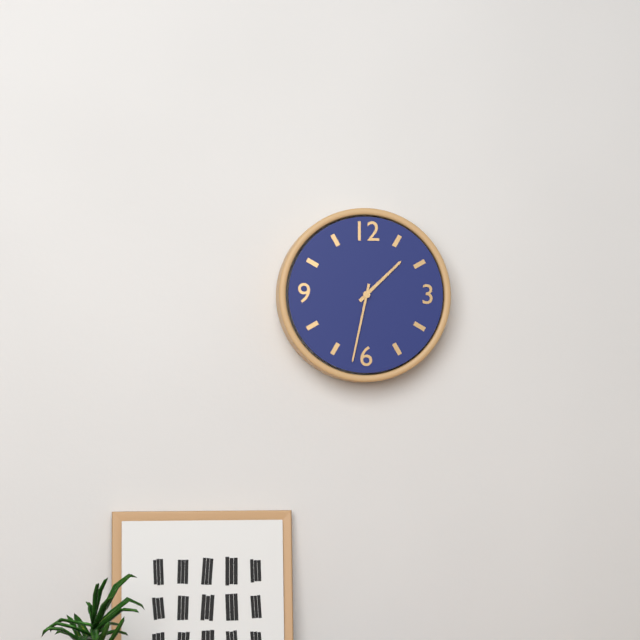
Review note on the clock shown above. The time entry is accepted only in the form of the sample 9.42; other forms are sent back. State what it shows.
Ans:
1.32
